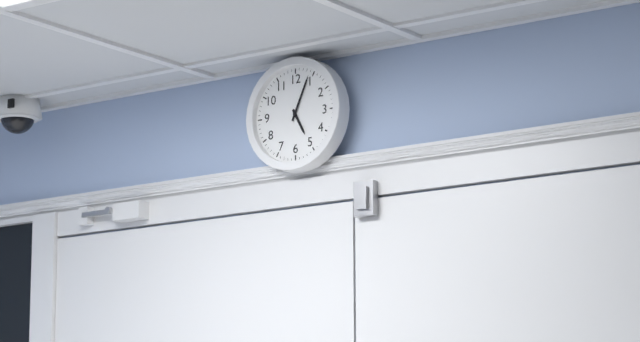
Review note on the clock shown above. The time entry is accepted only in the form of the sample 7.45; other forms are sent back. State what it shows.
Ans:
5.04
